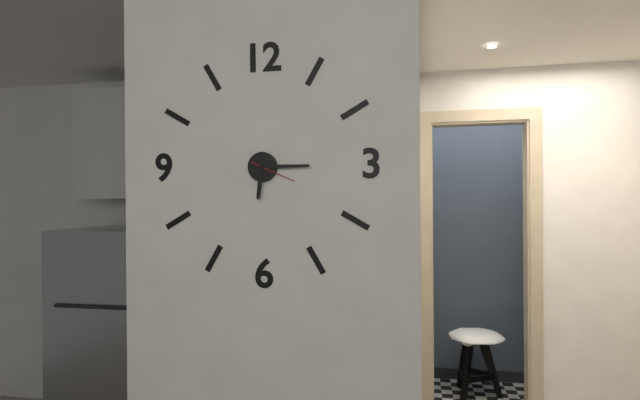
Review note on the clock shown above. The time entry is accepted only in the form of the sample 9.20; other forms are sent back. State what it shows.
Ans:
6.15
